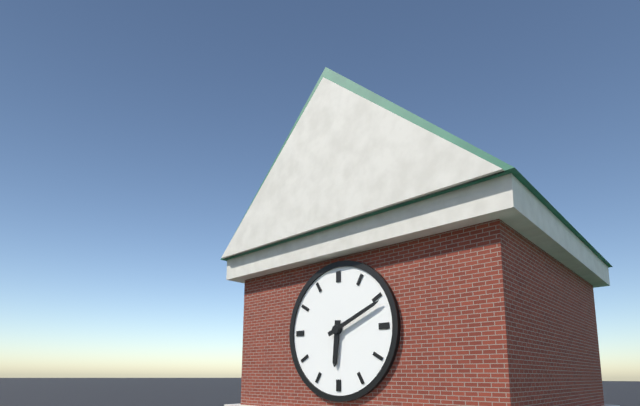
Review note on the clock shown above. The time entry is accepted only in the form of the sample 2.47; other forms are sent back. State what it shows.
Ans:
6.11
